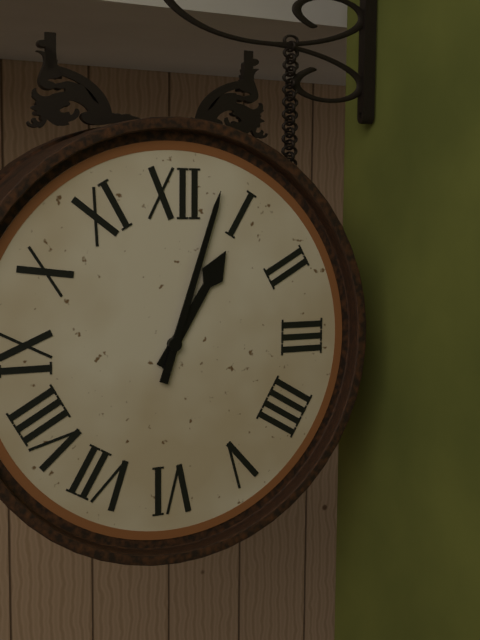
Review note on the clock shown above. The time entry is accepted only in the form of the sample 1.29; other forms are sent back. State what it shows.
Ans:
1.03
